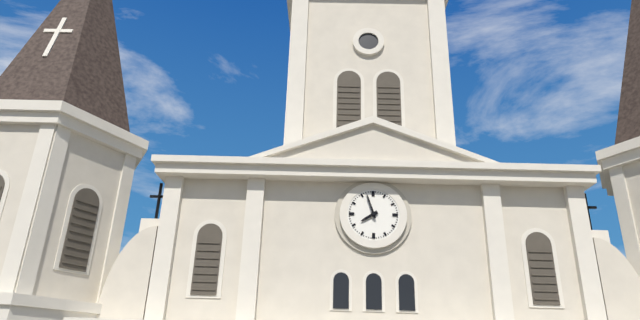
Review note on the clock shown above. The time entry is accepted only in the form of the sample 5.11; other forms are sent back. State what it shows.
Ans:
7.57
